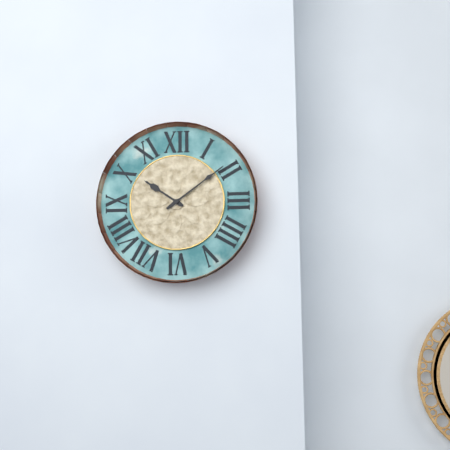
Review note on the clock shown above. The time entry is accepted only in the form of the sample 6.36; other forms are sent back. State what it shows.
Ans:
10.09
